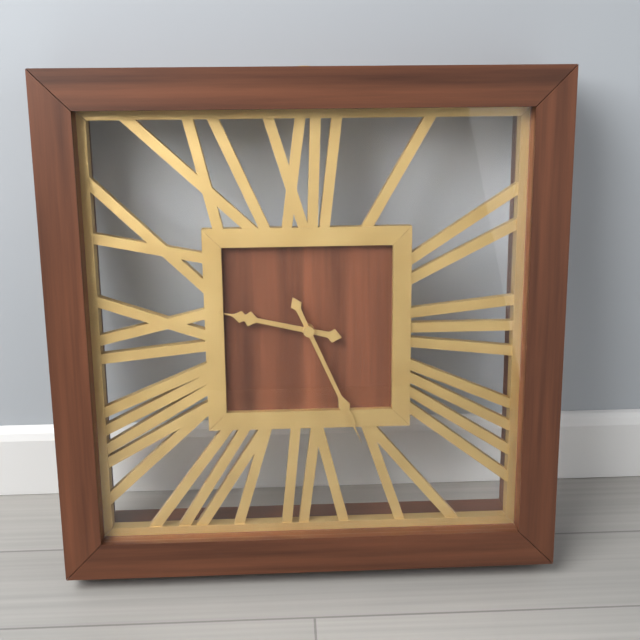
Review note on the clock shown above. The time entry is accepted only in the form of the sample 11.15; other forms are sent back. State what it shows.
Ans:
9.26
